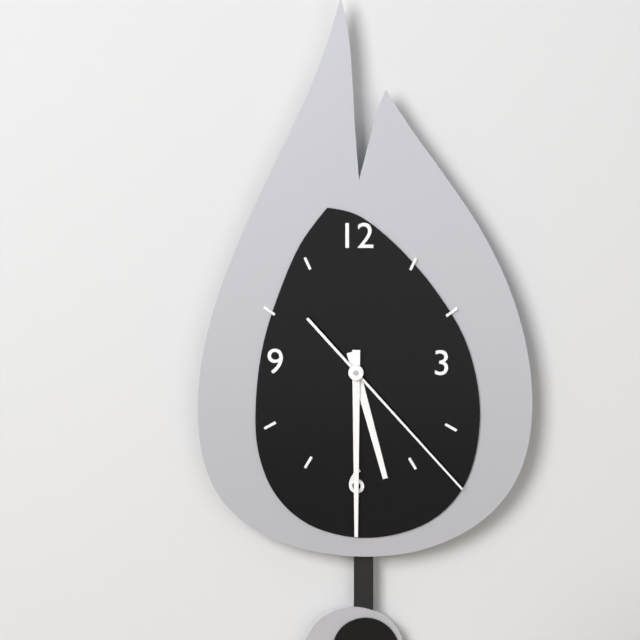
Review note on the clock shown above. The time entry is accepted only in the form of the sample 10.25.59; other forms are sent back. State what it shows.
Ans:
5.30.23
